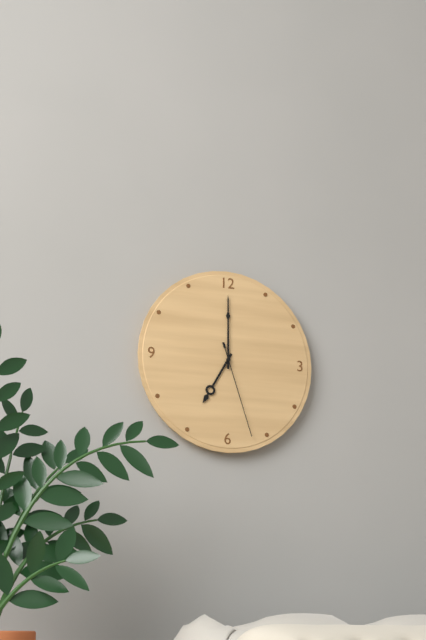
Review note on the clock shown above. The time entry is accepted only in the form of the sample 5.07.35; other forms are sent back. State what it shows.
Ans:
7.00.27
